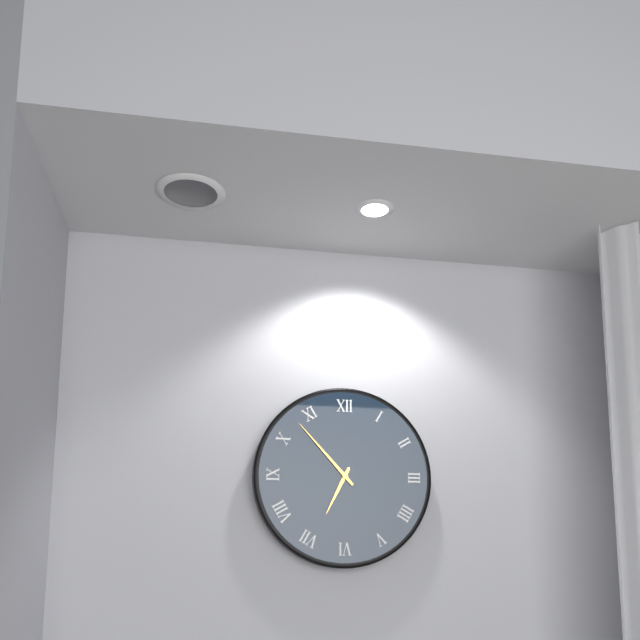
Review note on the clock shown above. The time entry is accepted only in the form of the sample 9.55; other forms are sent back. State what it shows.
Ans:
6.53
